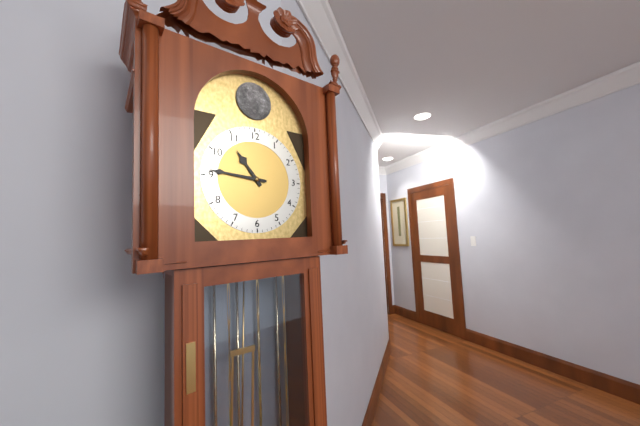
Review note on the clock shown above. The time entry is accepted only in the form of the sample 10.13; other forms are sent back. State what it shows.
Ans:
10.46
